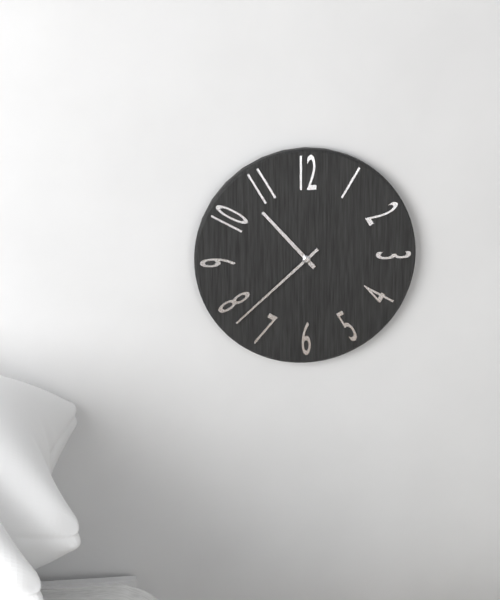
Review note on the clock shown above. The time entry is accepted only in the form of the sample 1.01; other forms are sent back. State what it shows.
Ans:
10.38
